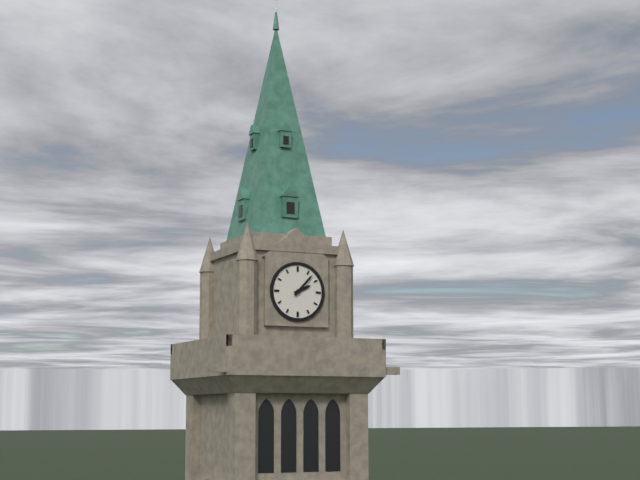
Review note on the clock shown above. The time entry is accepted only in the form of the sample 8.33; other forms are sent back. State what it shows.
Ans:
2.07
